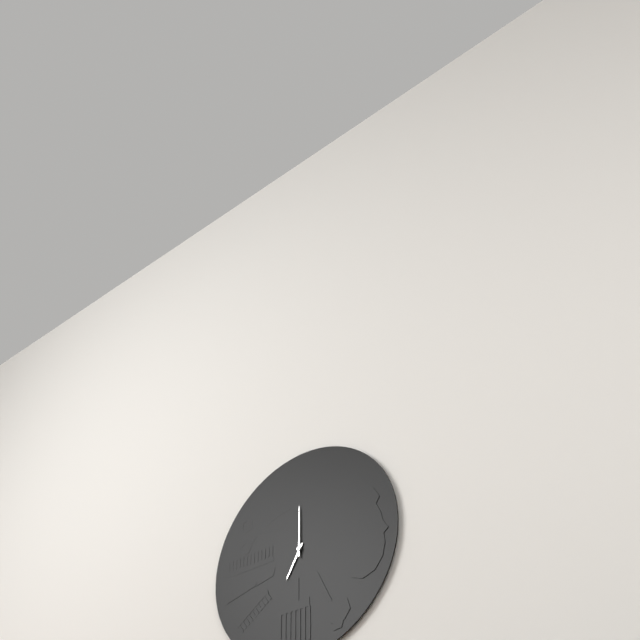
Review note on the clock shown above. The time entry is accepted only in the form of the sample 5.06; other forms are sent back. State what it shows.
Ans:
7.00
